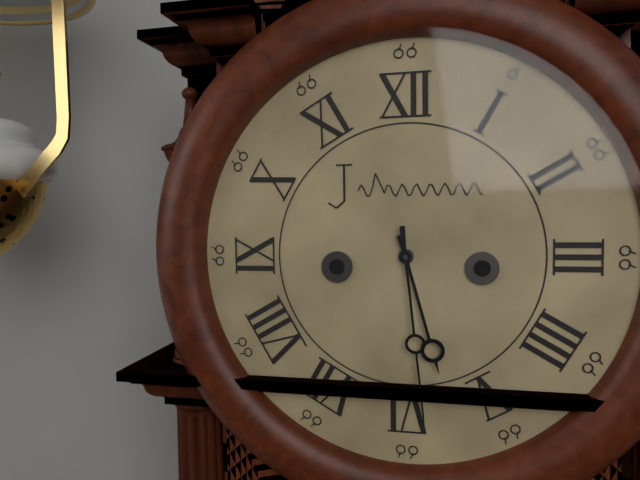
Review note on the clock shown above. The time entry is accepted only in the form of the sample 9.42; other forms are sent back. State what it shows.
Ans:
5.29
